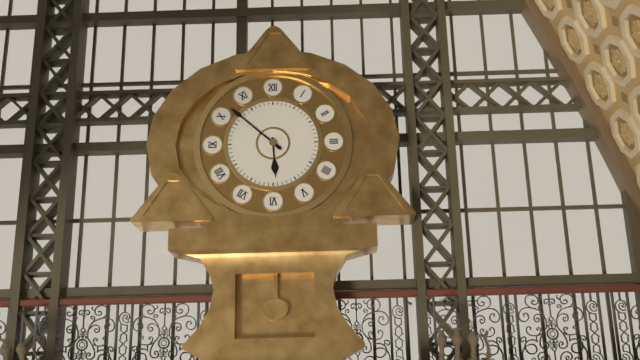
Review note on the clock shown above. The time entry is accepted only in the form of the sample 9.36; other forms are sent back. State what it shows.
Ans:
5.52
